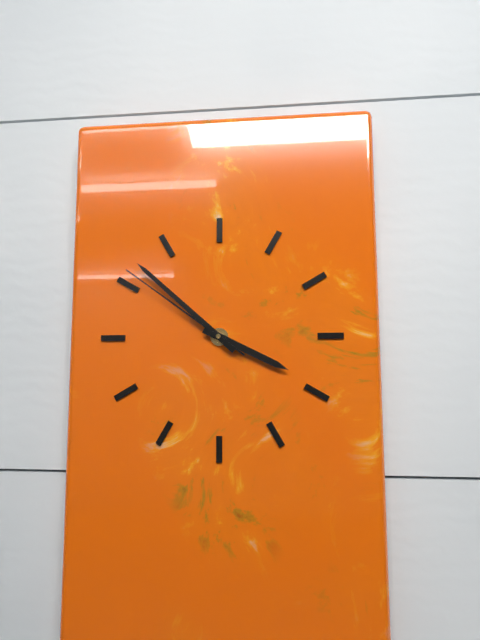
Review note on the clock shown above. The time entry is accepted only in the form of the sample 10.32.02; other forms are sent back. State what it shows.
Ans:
3.52.51
